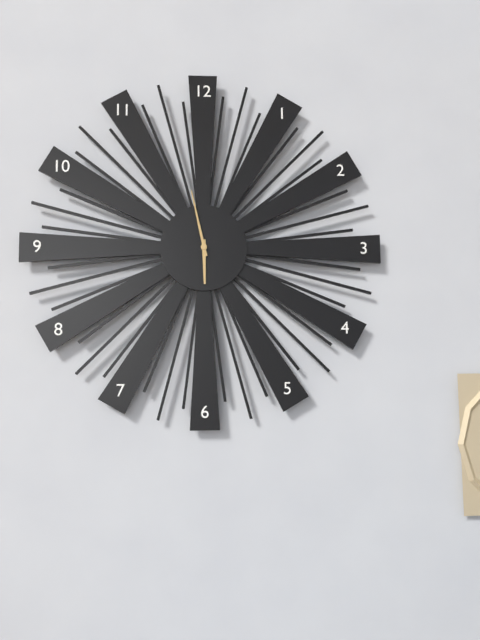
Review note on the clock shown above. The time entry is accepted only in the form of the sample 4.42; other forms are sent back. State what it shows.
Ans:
5.58
